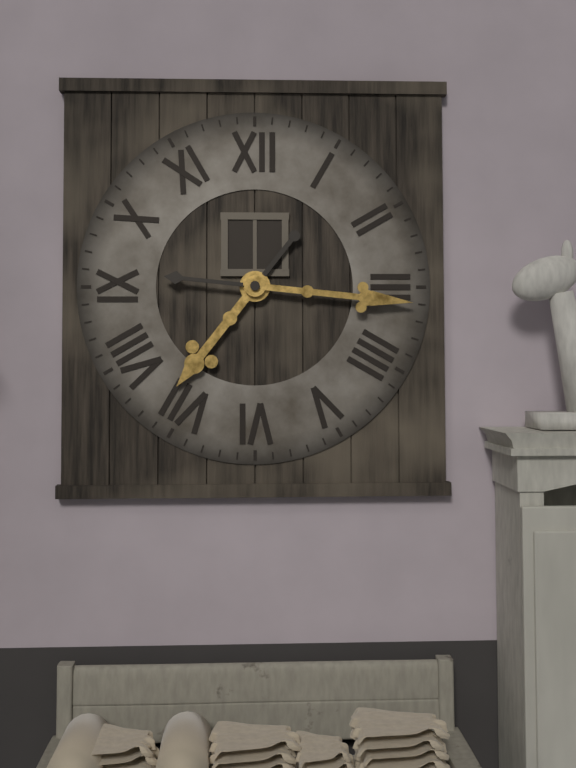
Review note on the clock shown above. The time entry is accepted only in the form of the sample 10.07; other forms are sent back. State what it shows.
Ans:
7.16
